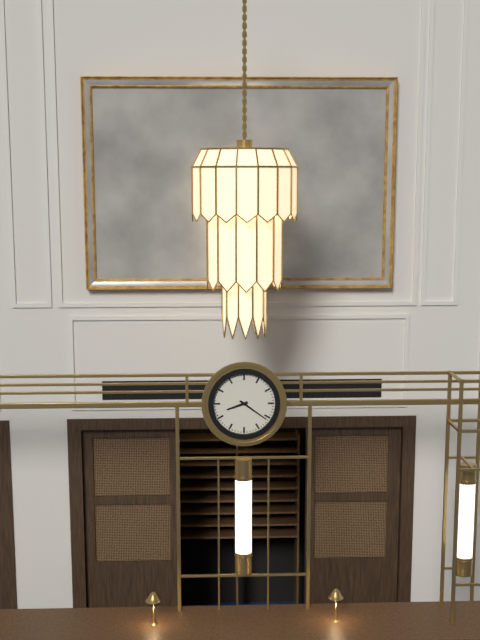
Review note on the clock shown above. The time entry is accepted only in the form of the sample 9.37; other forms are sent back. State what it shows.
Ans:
8.21
